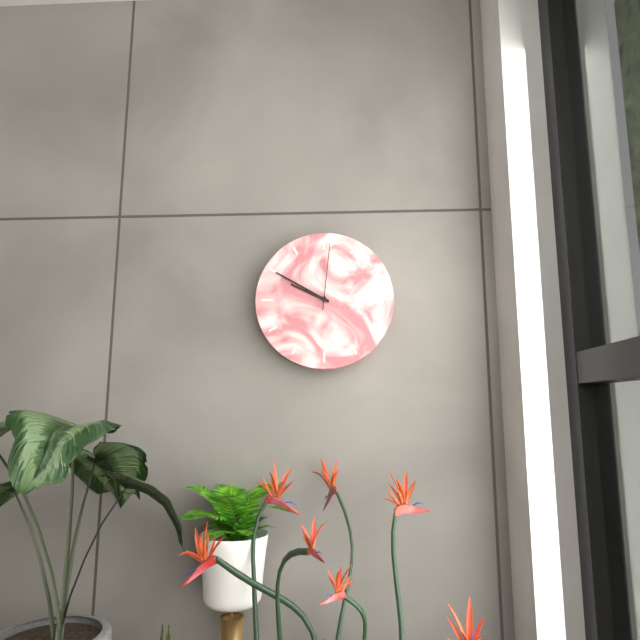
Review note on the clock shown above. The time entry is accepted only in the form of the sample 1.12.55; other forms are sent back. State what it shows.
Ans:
9.50.01
